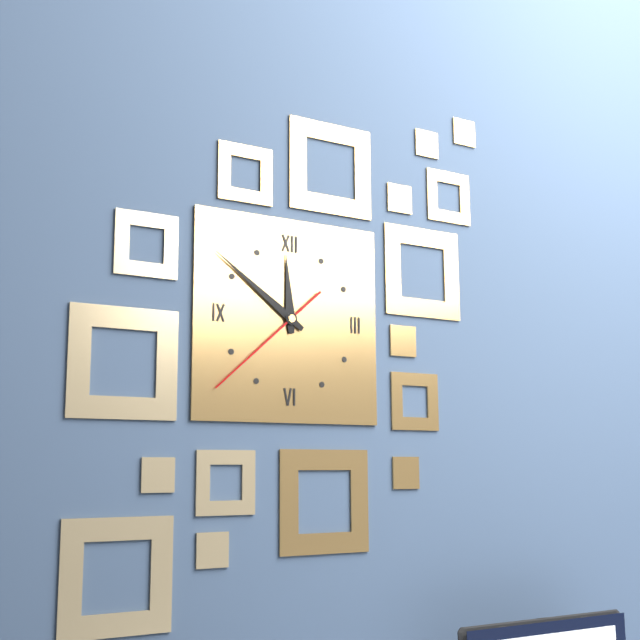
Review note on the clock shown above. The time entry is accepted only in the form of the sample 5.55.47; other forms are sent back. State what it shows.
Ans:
11.51.38
